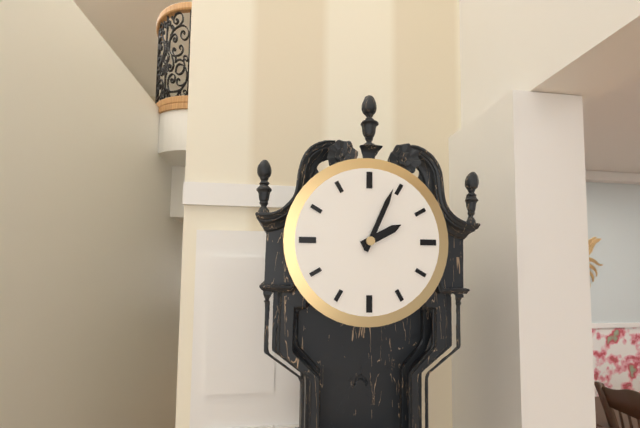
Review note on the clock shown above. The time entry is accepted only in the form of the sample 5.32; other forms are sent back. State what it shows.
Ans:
2.04
